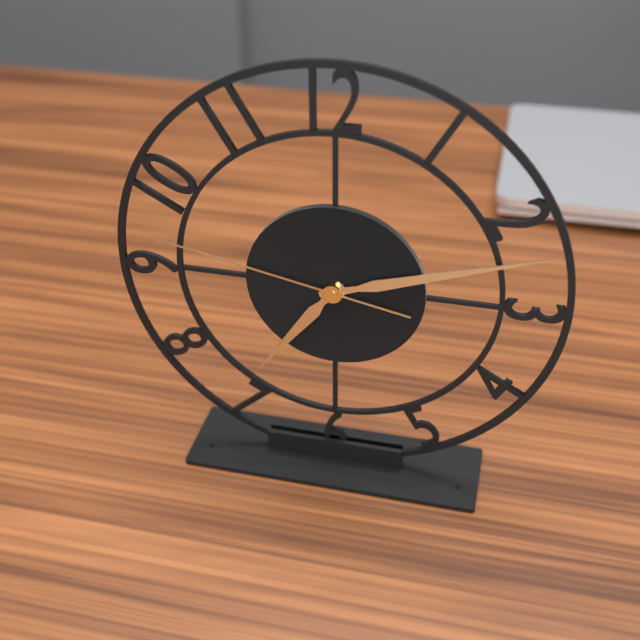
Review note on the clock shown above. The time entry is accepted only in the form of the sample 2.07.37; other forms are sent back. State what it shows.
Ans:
7.12.47
